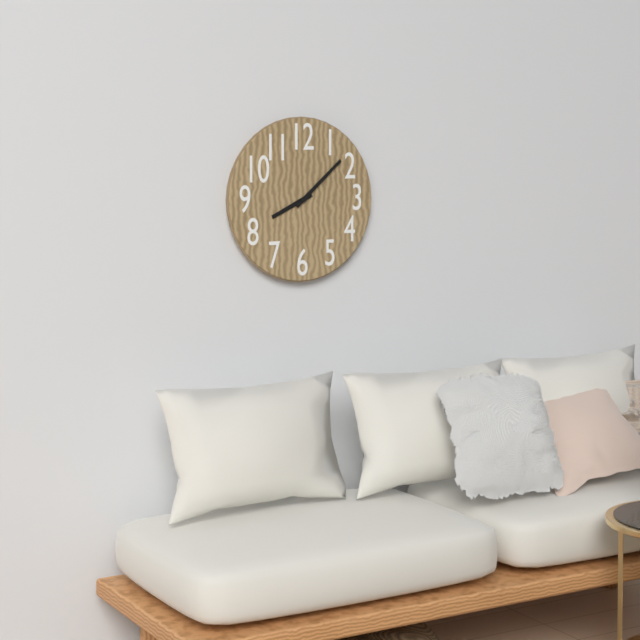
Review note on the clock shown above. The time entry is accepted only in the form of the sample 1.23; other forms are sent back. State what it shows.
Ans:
8.08
